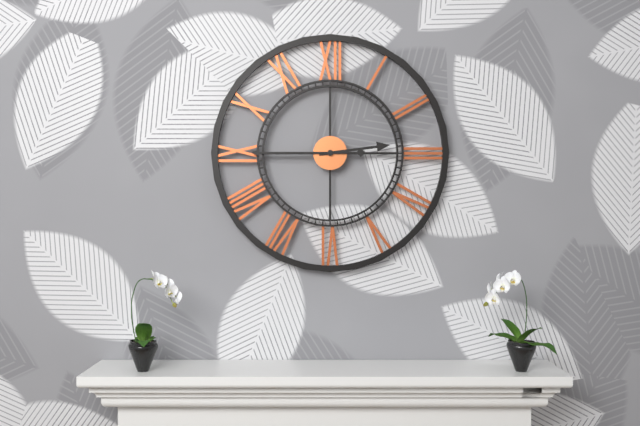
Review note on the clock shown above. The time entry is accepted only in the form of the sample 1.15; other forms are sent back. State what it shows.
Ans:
2.45
